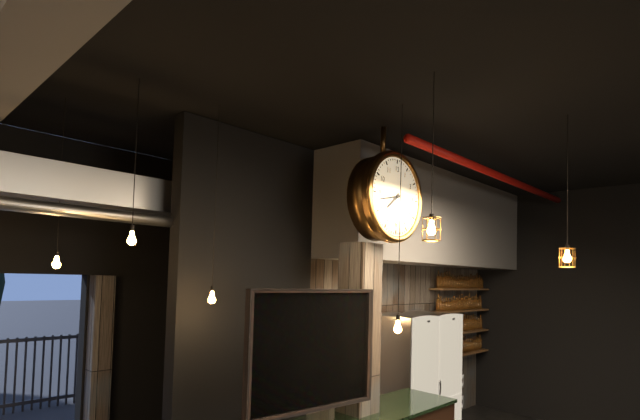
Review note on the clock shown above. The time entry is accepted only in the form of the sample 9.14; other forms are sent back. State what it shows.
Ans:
7.43
